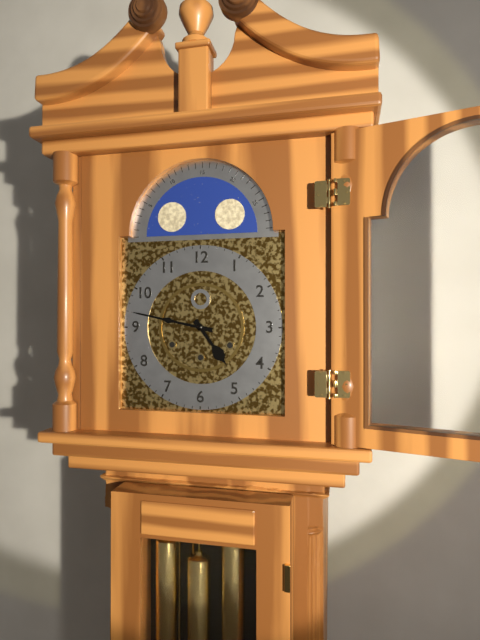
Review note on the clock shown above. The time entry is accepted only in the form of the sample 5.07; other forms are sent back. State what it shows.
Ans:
4.47
